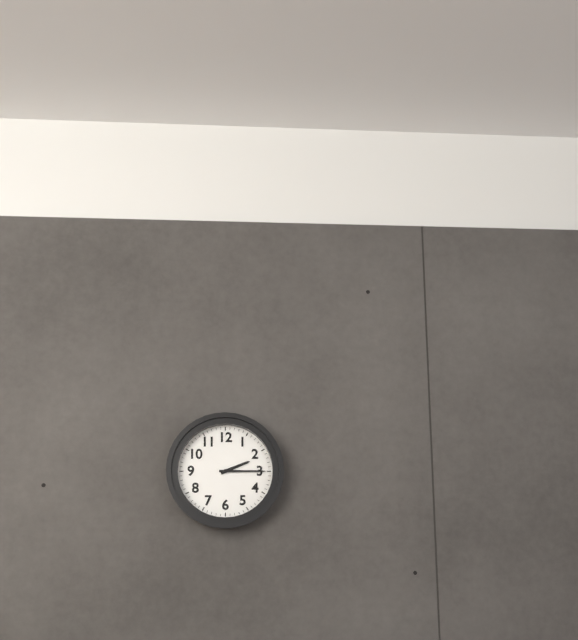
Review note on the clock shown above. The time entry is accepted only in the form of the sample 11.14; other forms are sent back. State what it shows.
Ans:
2.15
